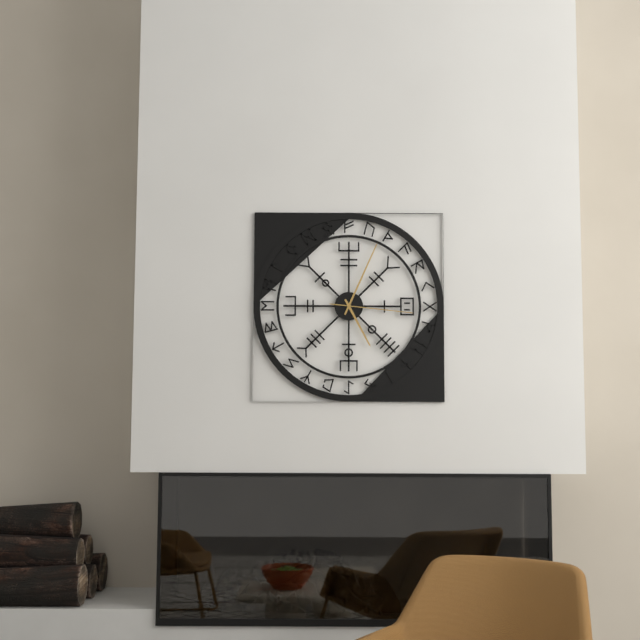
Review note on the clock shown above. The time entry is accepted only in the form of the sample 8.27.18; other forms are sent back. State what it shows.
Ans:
5.04.16
